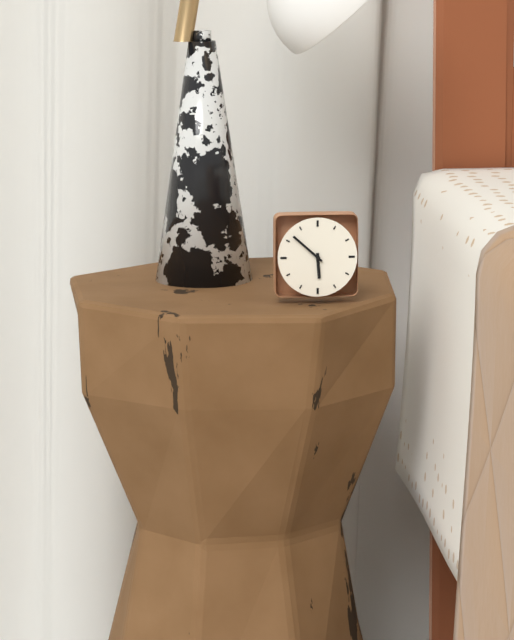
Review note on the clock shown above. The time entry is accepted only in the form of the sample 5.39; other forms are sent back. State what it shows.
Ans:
5.52
